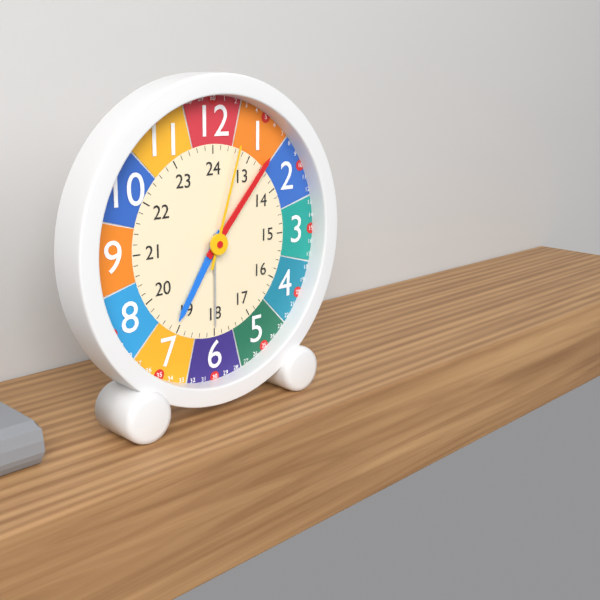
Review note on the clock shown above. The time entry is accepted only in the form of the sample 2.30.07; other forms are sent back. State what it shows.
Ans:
7.07.03
